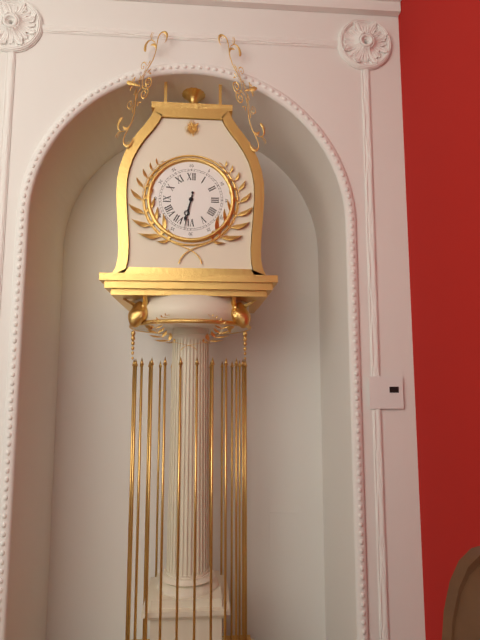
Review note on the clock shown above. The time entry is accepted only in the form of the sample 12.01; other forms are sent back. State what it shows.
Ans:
6.32
